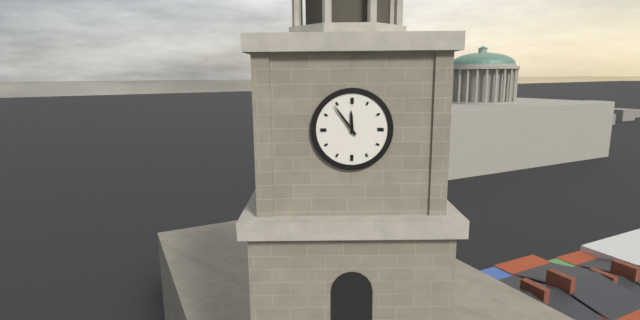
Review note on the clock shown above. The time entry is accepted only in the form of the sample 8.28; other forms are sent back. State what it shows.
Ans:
11.54
